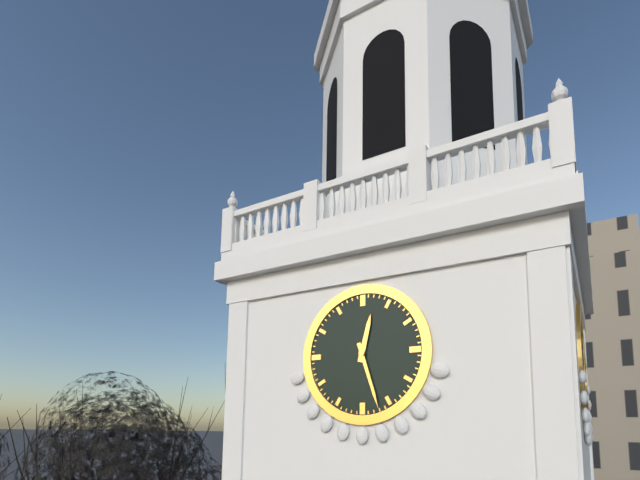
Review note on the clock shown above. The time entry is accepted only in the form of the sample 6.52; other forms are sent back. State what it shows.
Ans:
12.27
